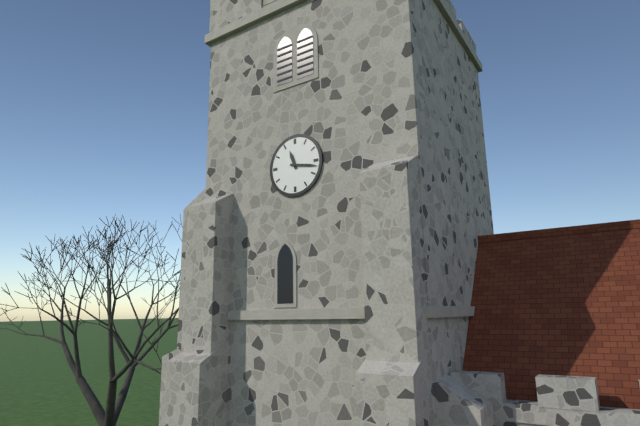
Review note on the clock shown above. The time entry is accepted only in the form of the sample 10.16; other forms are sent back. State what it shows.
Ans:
11.17
